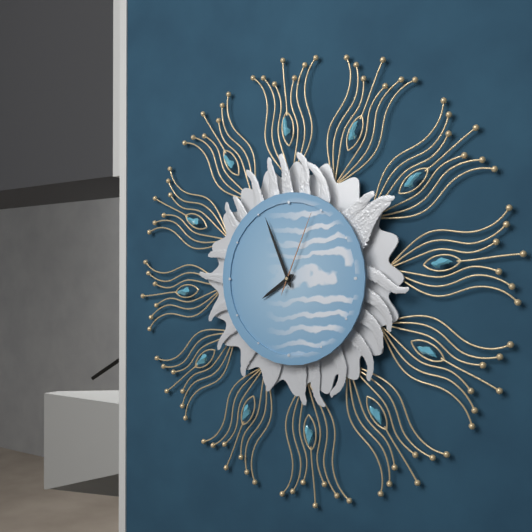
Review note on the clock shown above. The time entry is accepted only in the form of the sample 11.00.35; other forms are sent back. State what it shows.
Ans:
7.56.04
